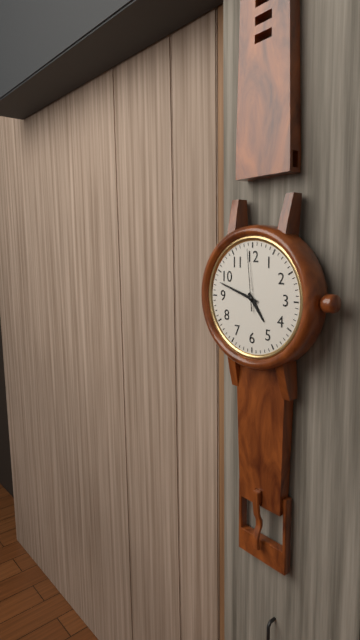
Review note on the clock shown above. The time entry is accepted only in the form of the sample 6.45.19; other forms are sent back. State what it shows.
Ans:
4.48.59
